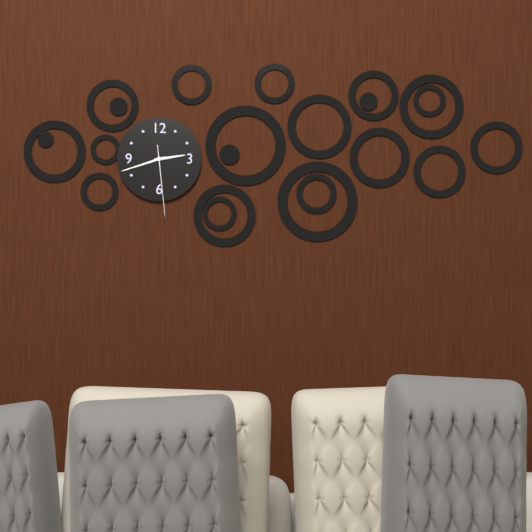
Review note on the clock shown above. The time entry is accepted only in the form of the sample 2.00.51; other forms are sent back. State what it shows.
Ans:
2.42.29
